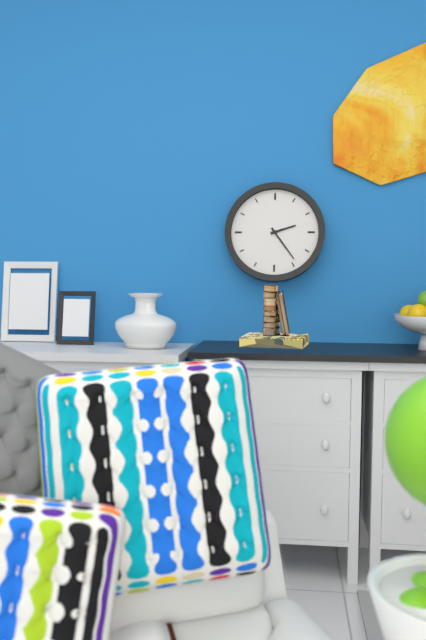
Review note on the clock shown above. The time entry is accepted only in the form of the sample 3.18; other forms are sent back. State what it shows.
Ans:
2.24
